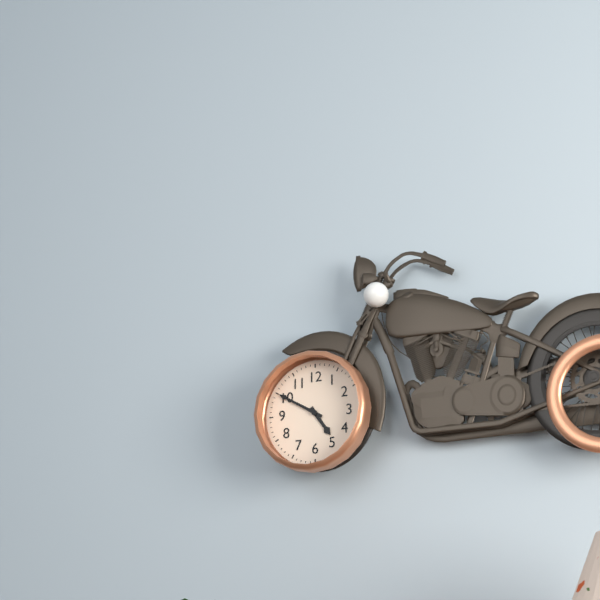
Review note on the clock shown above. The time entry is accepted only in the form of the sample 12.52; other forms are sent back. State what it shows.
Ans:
4.50
